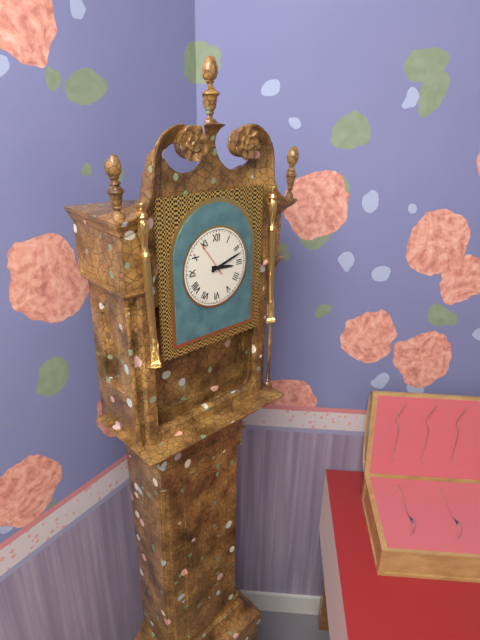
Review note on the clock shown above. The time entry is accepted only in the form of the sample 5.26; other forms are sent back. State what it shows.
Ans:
3.12
